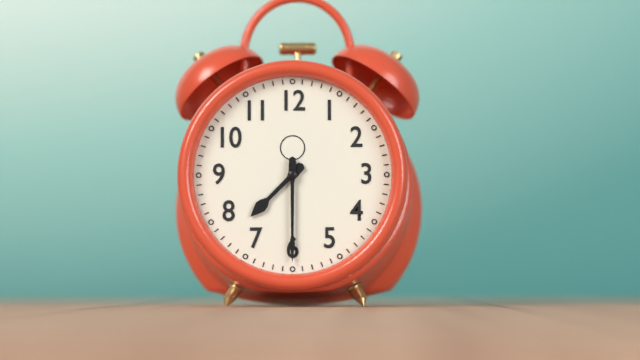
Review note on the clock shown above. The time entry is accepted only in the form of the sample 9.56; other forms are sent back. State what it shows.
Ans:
7.30
